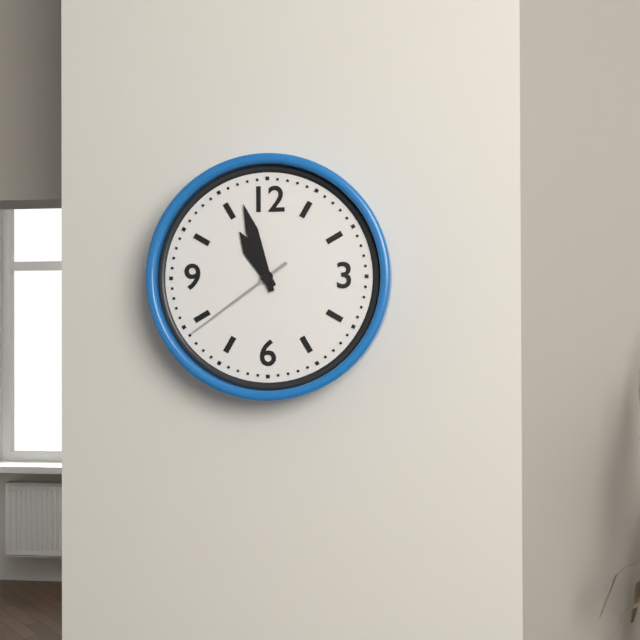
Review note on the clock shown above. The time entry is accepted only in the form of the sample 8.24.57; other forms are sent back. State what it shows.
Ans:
10.57.39
